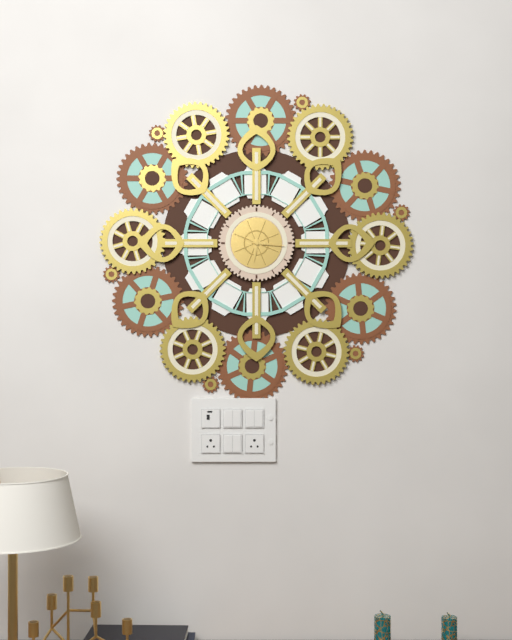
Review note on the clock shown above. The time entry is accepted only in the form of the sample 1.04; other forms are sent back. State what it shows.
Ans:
6.16
